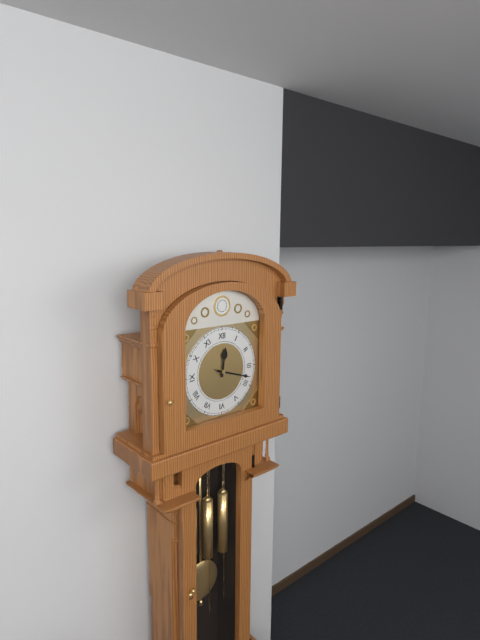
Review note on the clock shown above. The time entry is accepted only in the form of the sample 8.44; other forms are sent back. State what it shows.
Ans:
12.18
